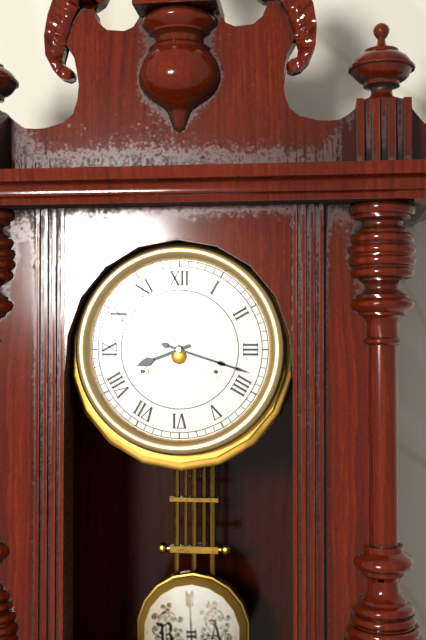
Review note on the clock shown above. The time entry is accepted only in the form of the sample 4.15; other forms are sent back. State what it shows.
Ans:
8.18
